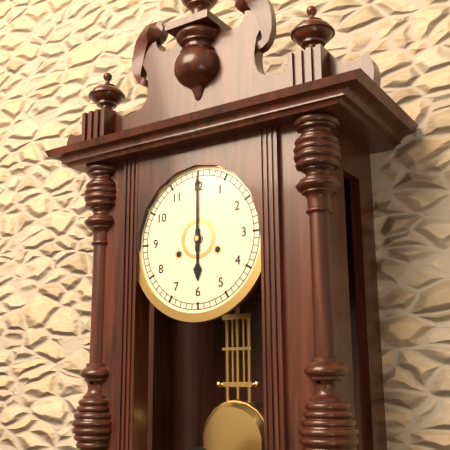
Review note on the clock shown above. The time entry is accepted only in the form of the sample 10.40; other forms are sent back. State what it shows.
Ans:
6.00
